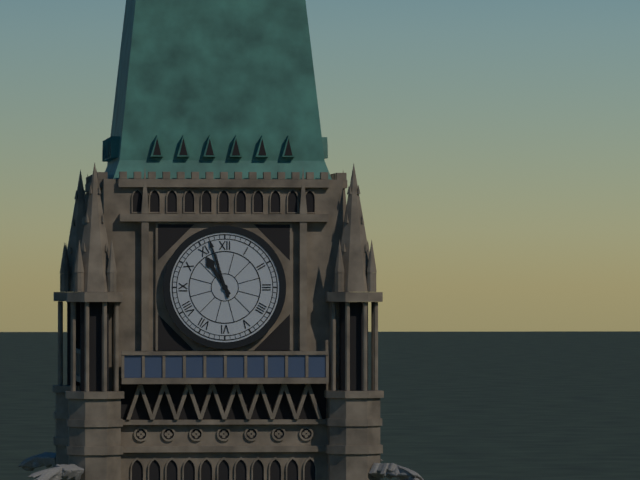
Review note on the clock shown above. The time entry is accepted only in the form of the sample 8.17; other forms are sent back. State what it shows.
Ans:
10.57
